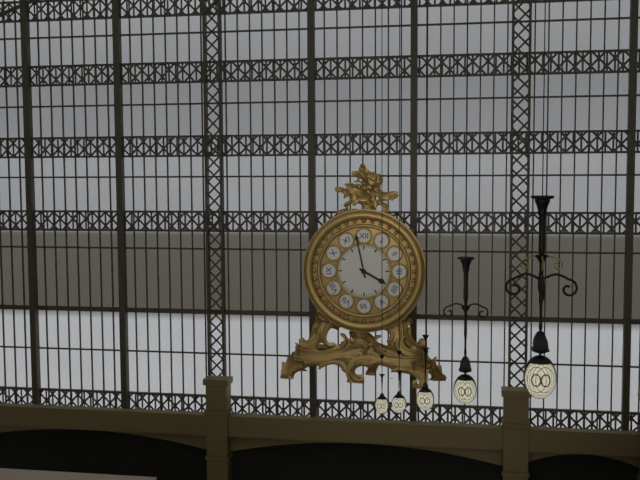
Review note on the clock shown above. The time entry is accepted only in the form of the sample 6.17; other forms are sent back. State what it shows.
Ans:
3.58
